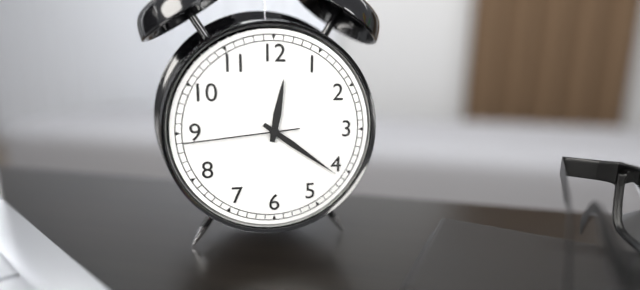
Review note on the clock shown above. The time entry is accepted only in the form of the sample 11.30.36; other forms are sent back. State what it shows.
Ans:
12.21.44
